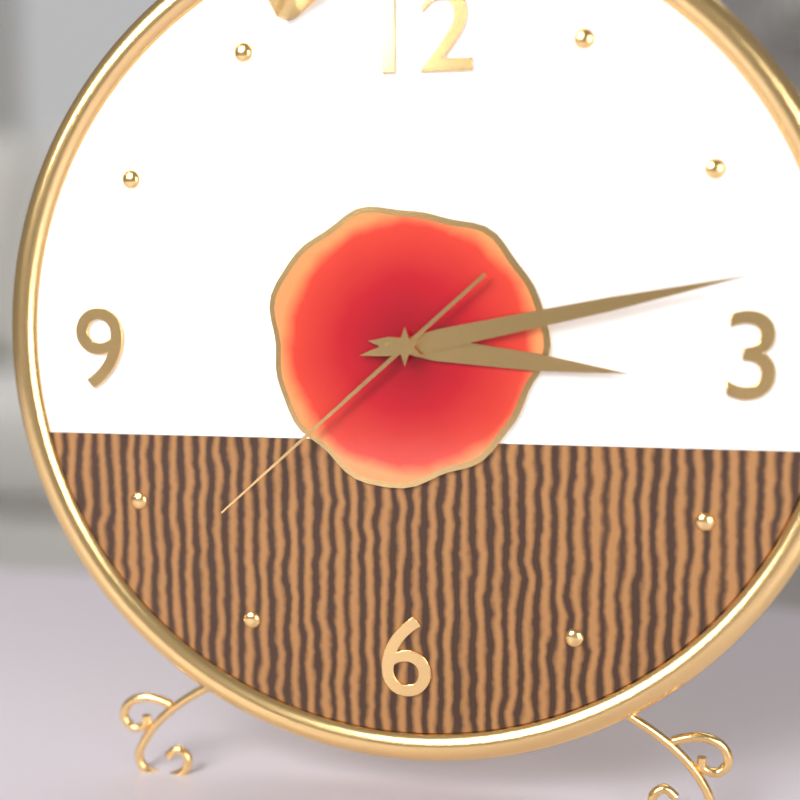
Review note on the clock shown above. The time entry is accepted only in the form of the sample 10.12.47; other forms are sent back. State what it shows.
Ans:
3.13.38
